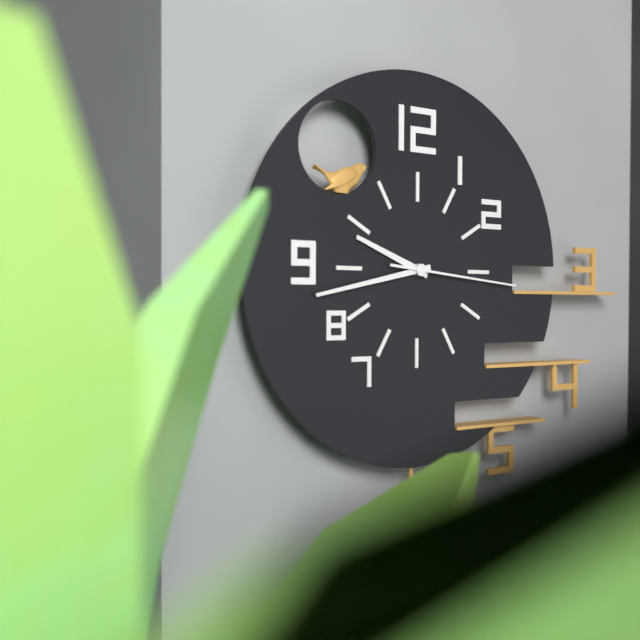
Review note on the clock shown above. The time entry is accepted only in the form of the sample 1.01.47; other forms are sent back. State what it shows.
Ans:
9.43.16
